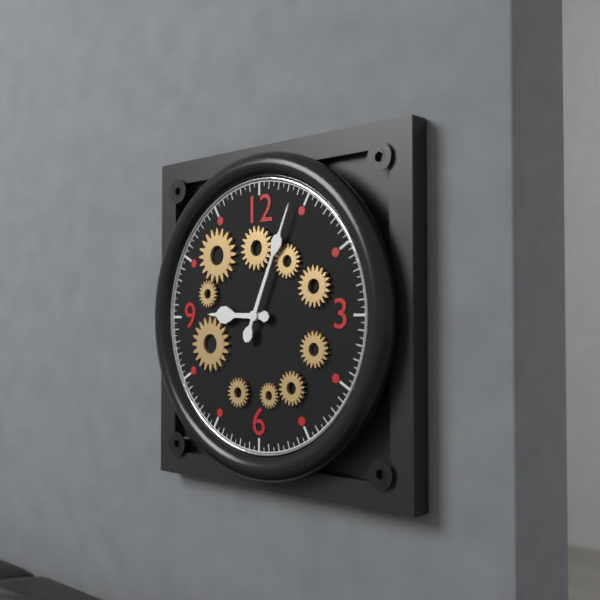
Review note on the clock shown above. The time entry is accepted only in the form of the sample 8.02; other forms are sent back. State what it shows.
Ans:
9.04
